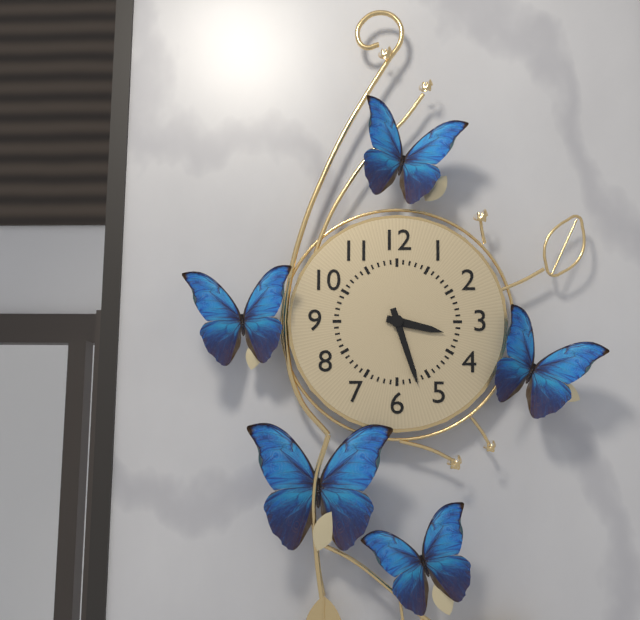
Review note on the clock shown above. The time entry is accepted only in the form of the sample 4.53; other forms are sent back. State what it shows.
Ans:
3.27
